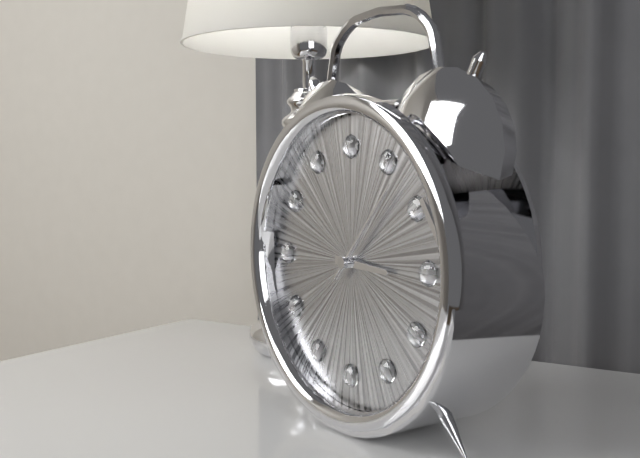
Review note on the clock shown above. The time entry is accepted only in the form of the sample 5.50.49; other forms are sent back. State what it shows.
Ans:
3.07.07
